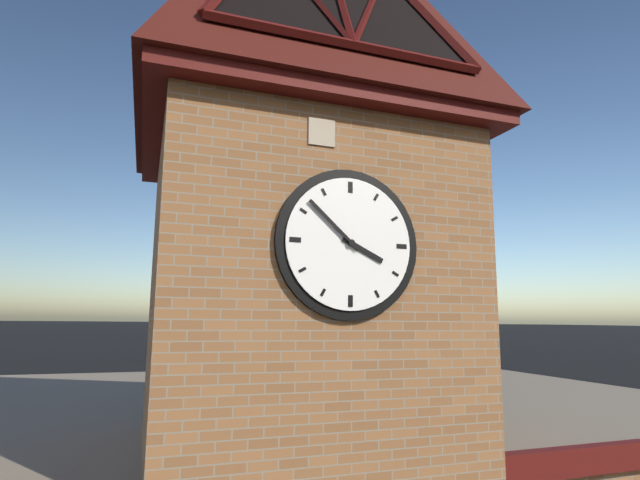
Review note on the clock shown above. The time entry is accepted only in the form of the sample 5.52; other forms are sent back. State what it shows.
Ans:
3.52
